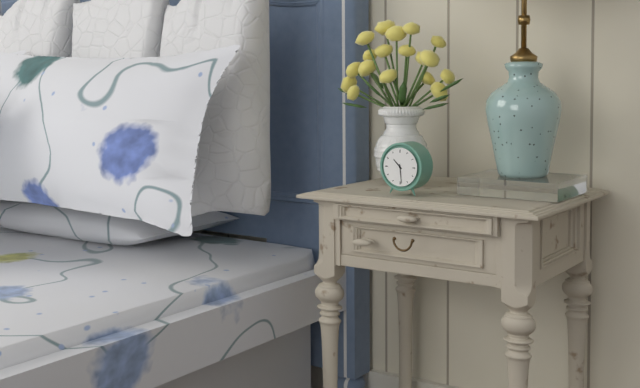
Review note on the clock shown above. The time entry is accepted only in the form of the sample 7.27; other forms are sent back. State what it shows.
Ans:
10.29
